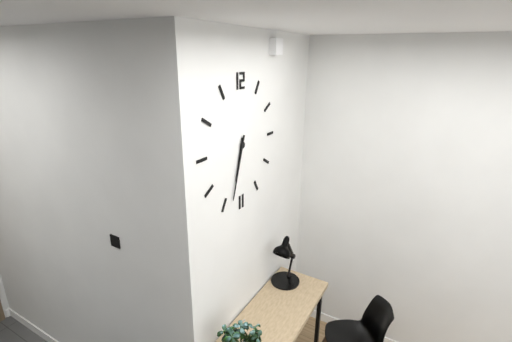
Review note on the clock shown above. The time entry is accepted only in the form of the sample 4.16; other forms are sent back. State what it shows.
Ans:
6.33
